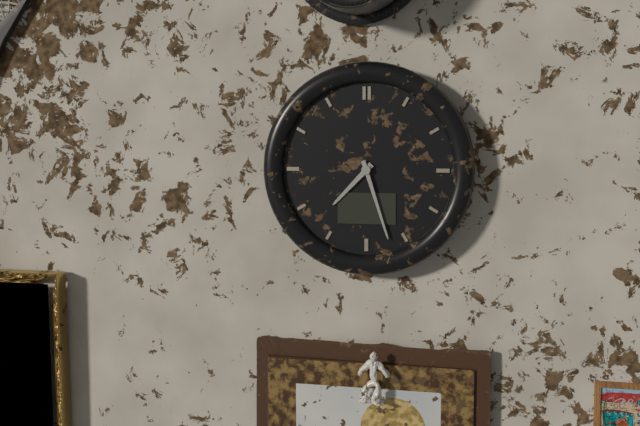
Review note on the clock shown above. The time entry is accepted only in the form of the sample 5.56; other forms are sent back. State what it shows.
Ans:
7.27
